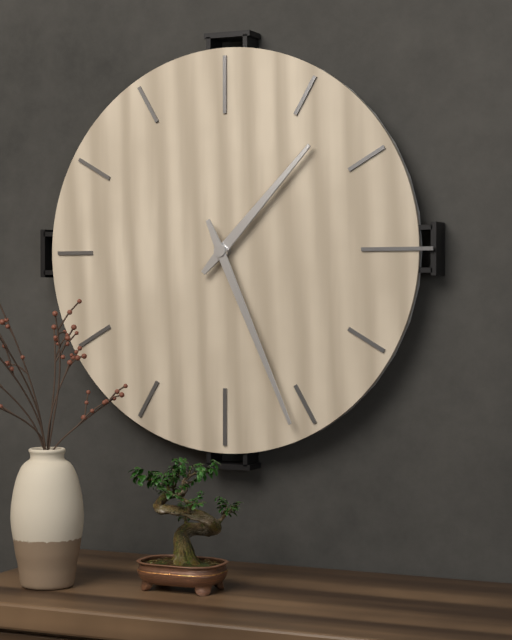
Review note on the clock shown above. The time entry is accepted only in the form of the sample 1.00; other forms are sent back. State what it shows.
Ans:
1.26
